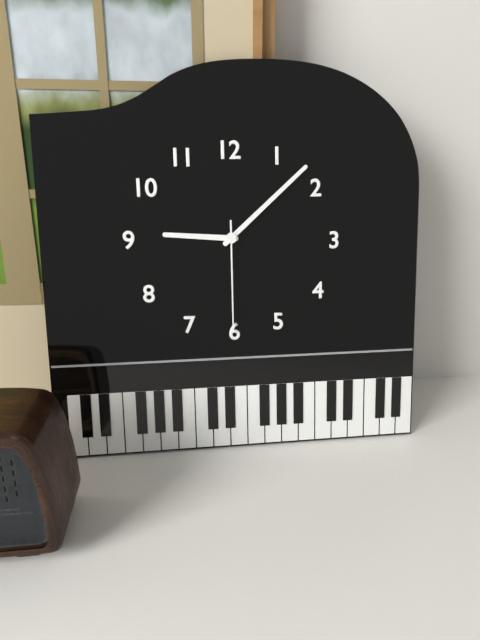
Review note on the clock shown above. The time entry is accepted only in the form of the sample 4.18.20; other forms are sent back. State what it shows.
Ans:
9.08.30
